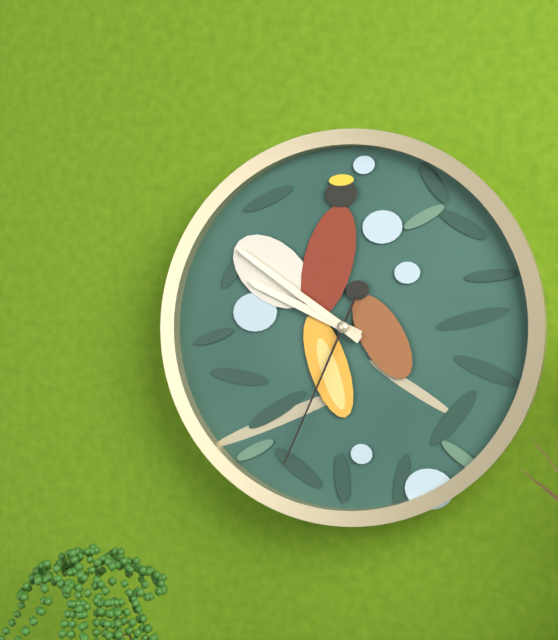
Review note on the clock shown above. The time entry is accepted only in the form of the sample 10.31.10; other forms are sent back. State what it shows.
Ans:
9.51.34
